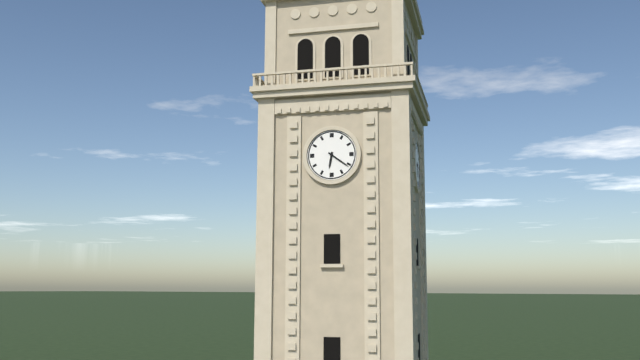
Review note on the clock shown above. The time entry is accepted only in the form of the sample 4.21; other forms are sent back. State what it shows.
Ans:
6.21
